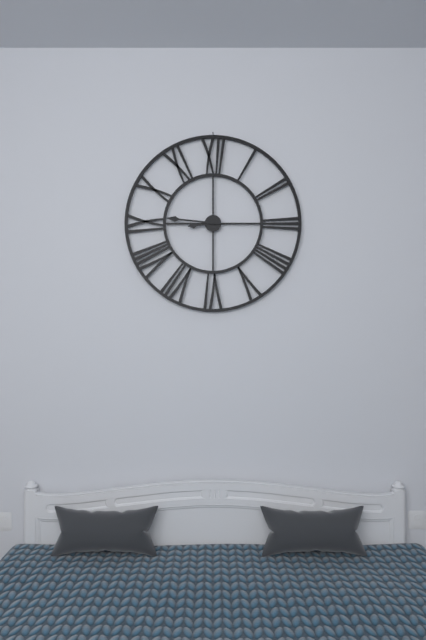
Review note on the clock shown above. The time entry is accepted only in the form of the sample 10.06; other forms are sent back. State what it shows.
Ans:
8.46
